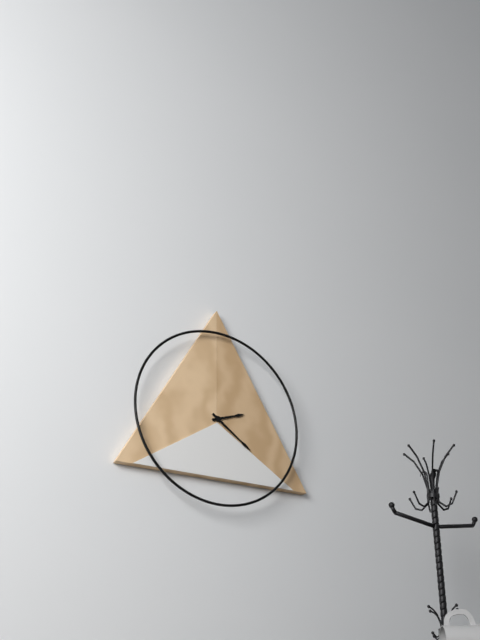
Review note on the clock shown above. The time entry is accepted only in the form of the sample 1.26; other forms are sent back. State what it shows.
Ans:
2.21
